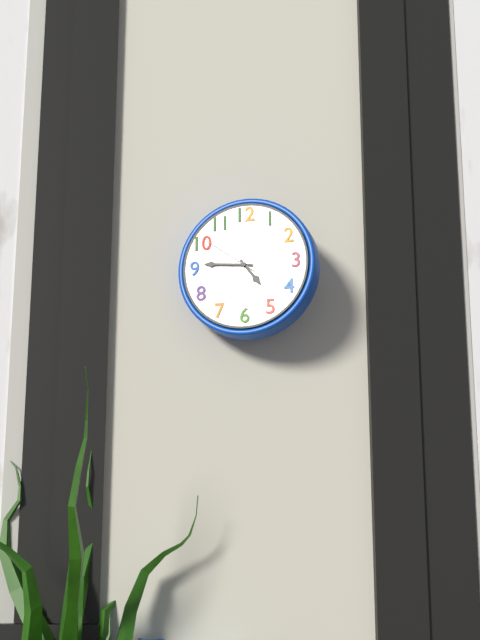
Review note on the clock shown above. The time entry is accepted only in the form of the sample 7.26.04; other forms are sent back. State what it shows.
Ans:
4.46.51
